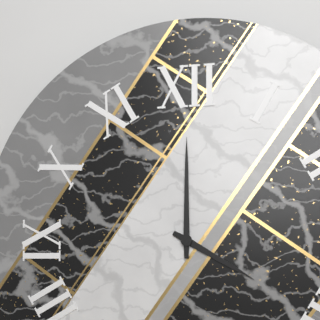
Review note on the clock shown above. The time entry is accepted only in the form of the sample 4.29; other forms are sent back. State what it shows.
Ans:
4.00
